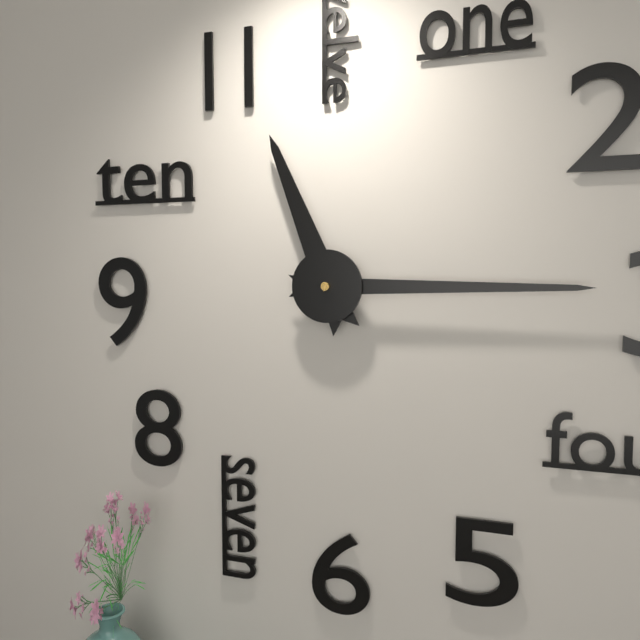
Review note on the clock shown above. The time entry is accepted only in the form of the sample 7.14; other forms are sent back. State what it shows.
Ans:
11.15
